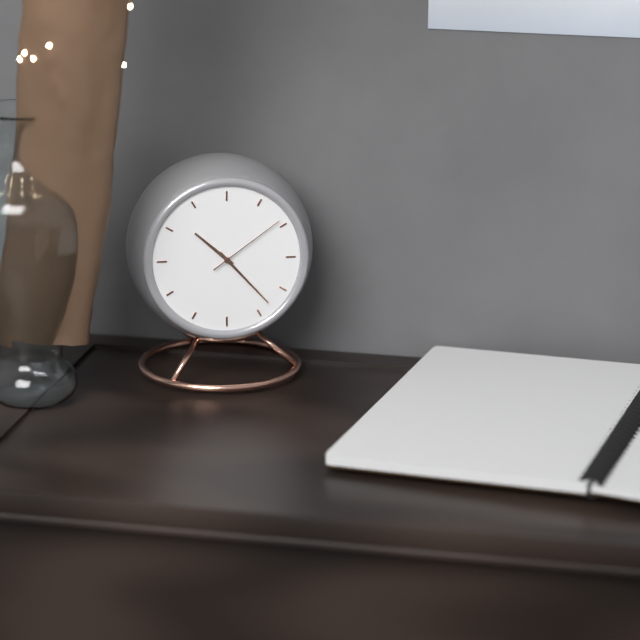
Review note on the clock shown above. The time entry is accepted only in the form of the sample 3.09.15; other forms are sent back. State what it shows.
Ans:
10.23.09
